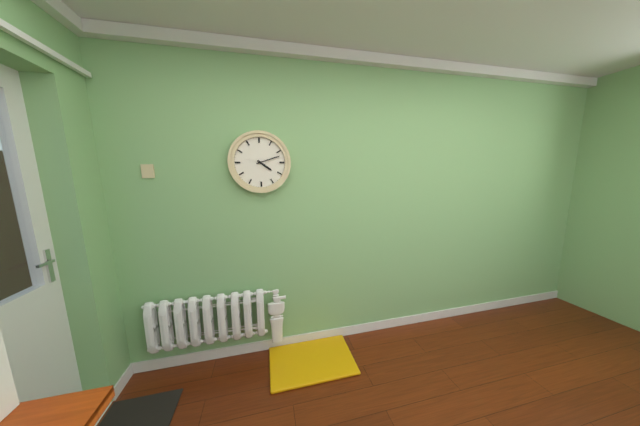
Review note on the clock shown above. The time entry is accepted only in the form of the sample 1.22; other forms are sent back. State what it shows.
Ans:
4.12
